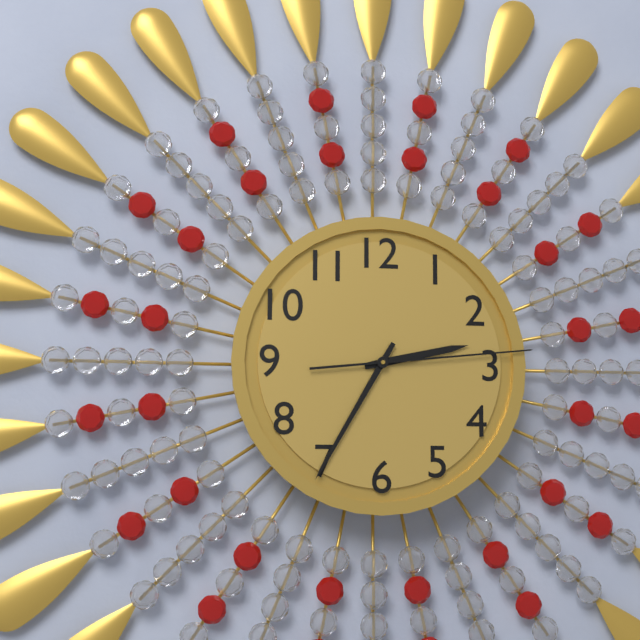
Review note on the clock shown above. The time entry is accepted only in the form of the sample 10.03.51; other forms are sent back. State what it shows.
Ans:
2.35.14
